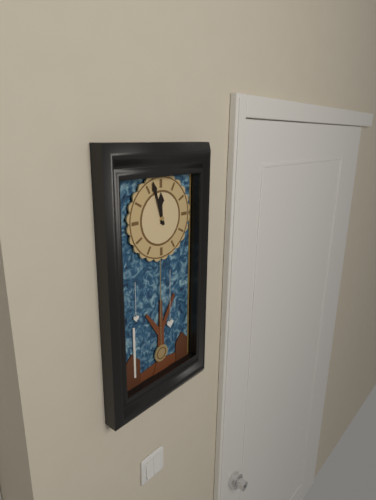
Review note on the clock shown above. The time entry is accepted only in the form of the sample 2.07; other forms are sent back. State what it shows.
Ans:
11.57
